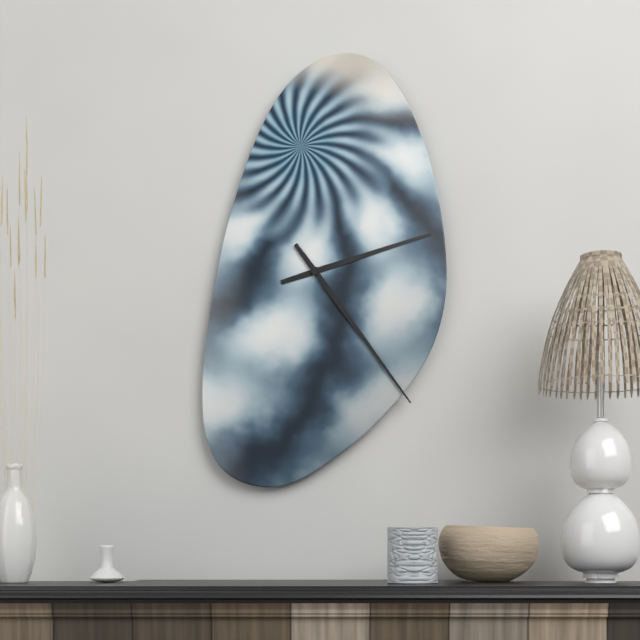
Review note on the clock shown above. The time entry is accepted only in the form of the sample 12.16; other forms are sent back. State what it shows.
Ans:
2.24
